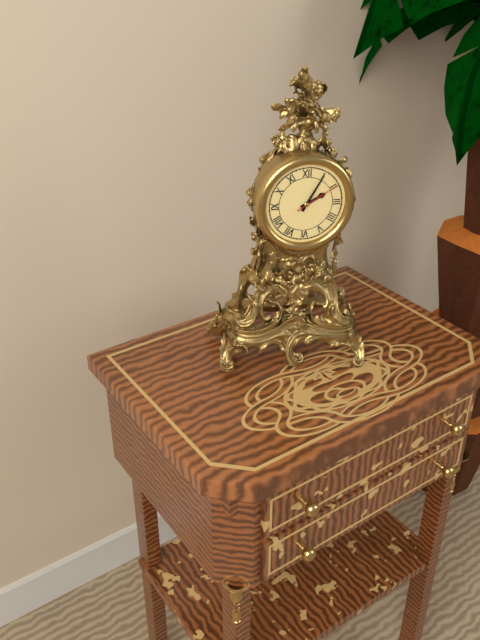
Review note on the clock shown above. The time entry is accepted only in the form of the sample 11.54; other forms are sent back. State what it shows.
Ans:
2.05
